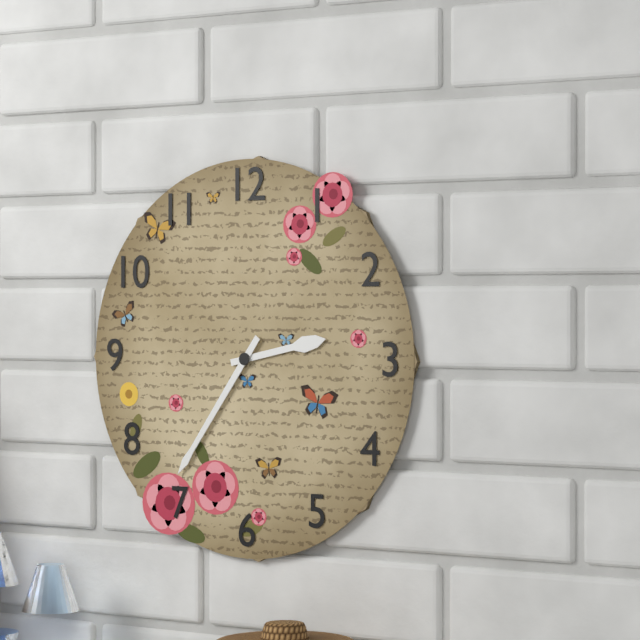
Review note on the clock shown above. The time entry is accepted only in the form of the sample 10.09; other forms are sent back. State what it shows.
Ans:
2.36
